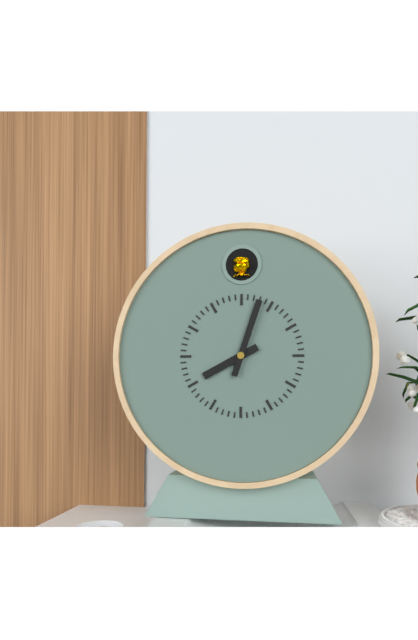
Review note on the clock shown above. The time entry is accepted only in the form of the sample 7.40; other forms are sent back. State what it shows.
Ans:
8.03
